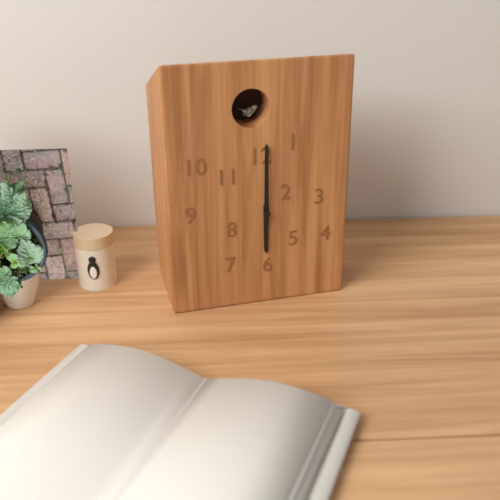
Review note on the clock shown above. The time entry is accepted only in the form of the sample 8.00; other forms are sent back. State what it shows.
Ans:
6.00
